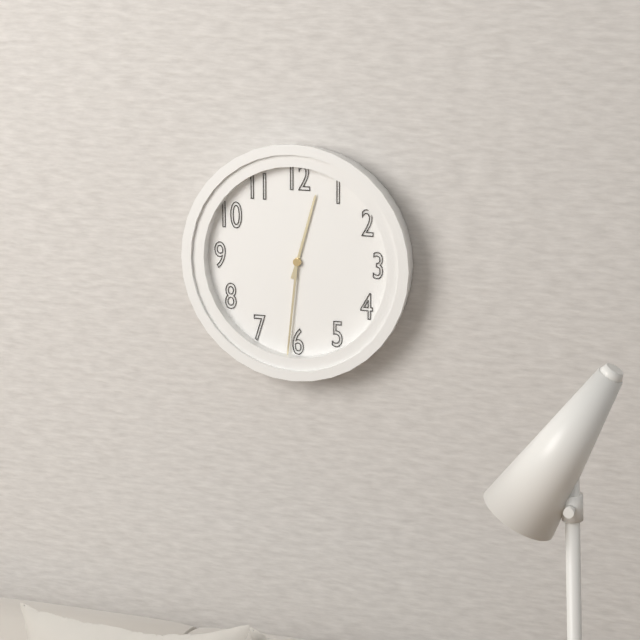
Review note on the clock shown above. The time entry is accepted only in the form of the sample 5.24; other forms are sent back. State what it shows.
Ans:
12.31
